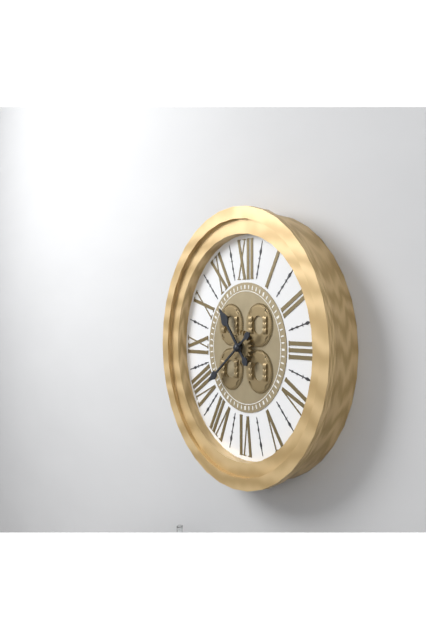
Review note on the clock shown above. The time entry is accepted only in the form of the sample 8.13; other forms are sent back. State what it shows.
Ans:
10.39
